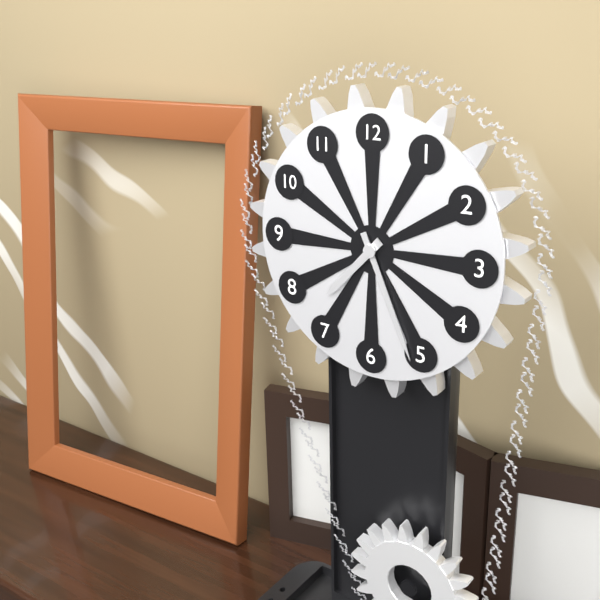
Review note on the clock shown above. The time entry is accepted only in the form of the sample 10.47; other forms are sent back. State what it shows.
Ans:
7.26
